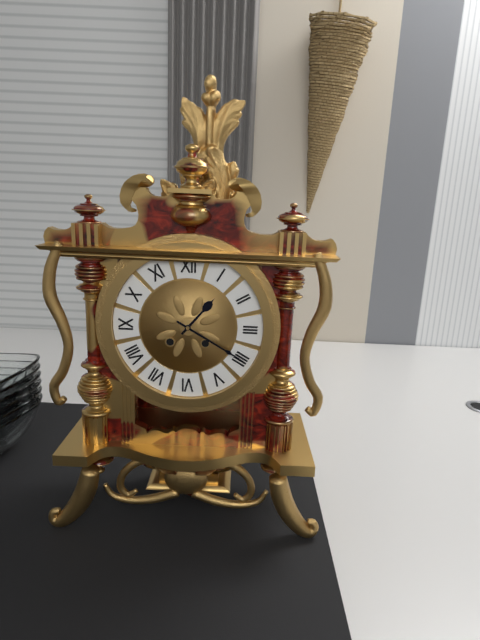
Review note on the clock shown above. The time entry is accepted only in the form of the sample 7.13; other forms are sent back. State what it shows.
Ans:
1.20
